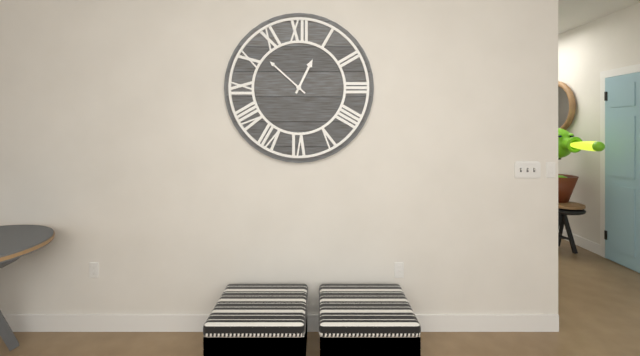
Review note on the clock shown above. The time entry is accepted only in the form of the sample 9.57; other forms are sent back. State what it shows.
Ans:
12.52
